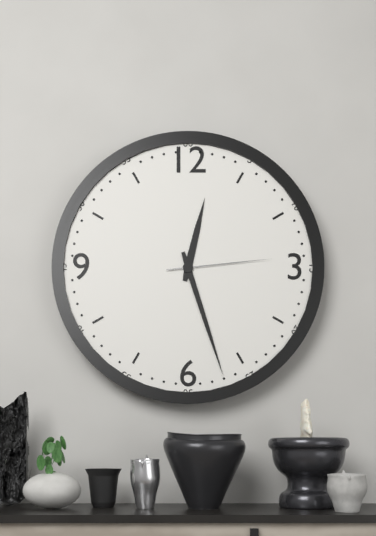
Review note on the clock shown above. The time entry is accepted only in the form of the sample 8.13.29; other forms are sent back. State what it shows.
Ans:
12.27.14
